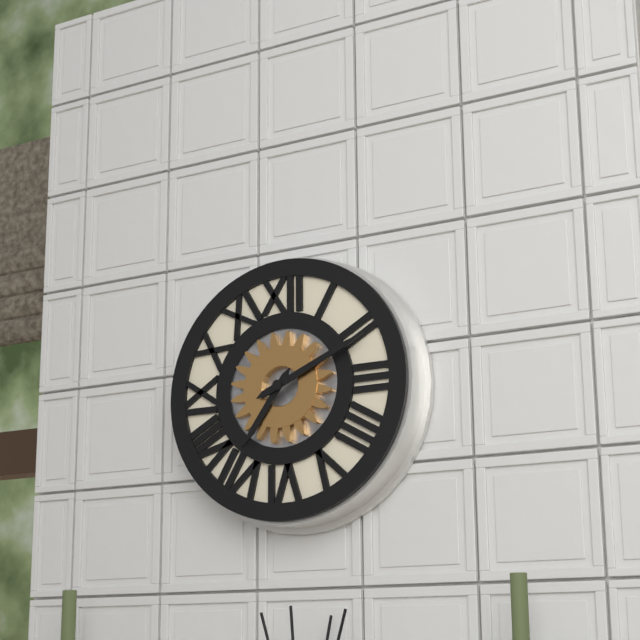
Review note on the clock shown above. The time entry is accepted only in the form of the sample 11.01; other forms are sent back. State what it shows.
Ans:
7.11
